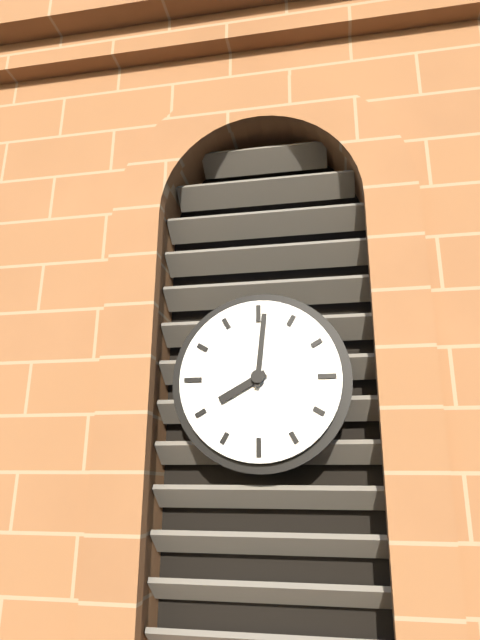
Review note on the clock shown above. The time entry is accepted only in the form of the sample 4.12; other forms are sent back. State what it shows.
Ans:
8.01
